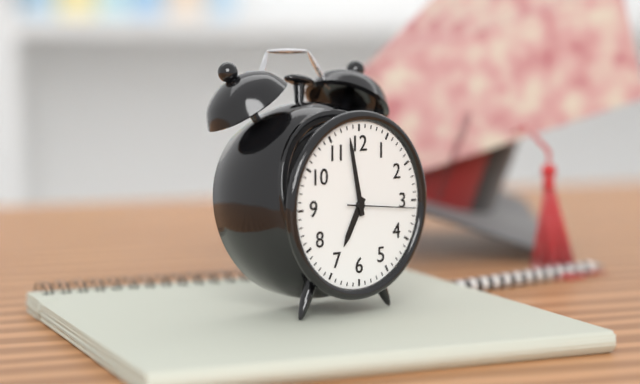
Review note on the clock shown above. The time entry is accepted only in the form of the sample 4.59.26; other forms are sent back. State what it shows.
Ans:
6.58.16
